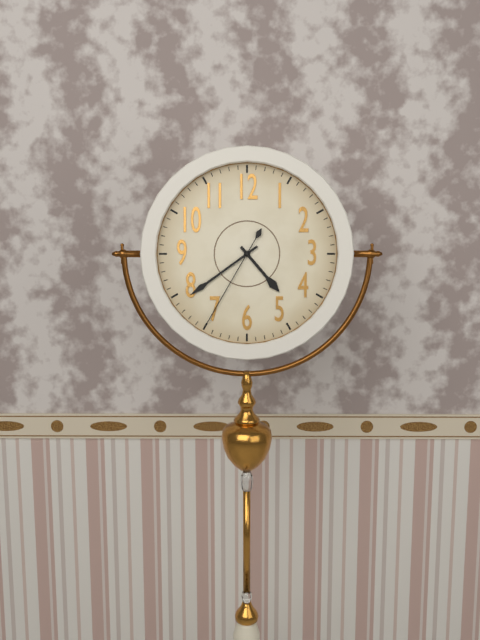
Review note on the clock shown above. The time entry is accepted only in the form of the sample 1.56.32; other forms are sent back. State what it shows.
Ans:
4.39.35
